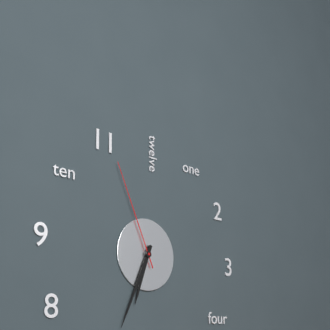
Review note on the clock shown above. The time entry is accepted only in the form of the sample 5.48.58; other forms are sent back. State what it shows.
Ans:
6.34.56
